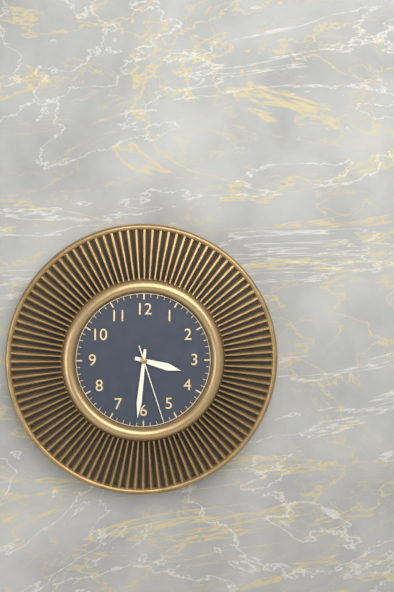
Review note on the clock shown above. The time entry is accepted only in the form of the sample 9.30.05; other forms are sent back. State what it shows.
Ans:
3.31.27
